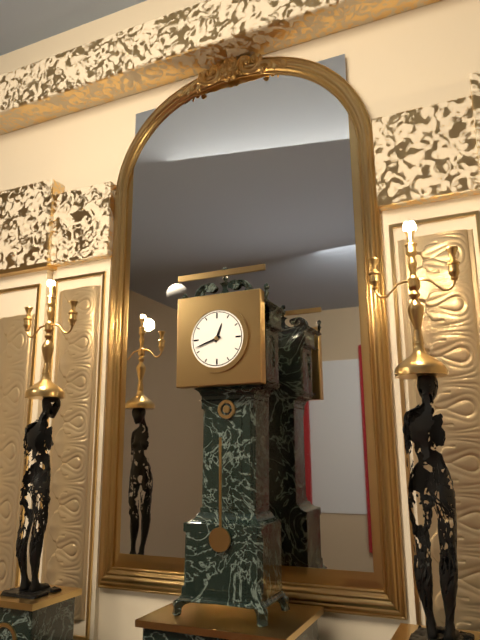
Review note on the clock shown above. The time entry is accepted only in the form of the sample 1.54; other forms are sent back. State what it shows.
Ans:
12.42
